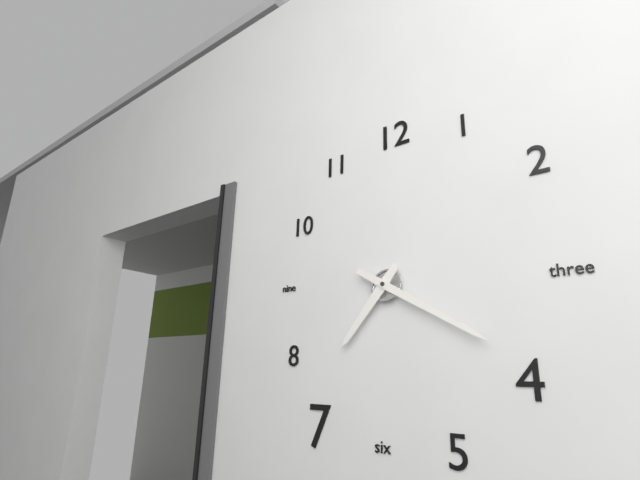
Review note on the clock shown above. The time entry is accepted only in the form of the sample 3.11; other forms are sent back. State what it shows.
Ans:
7.20
